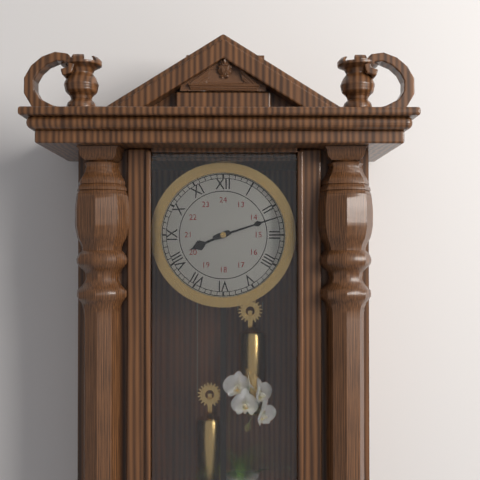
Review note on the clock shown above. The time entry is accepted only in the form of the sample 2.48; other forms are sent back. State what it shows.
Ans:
8.12
